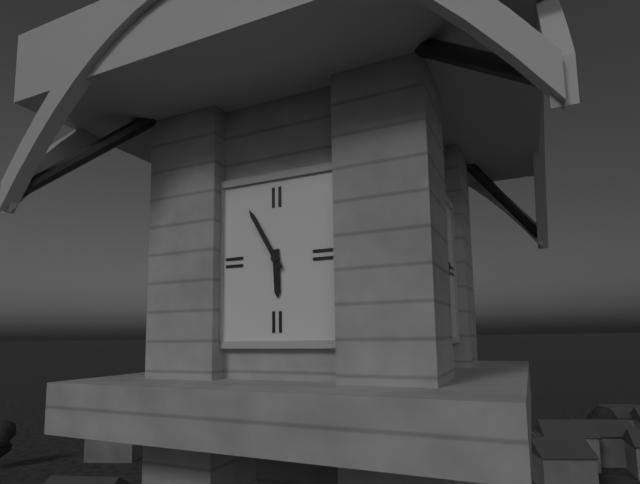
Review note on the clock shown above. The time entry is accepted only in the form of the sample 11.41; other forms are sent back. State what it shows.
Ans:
5.55
